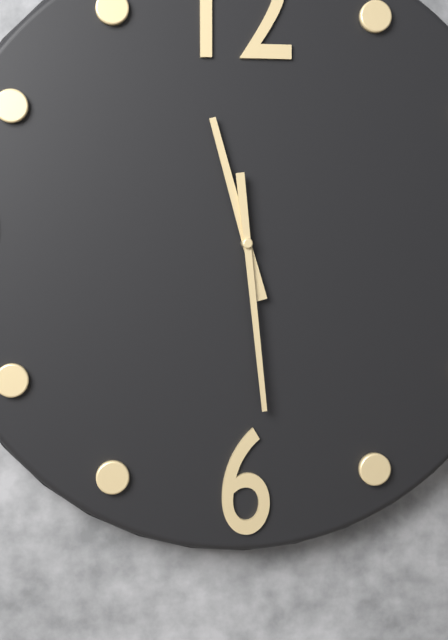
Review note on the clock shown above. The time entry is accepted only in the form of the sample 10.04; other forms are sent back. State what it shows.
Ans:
11.29
